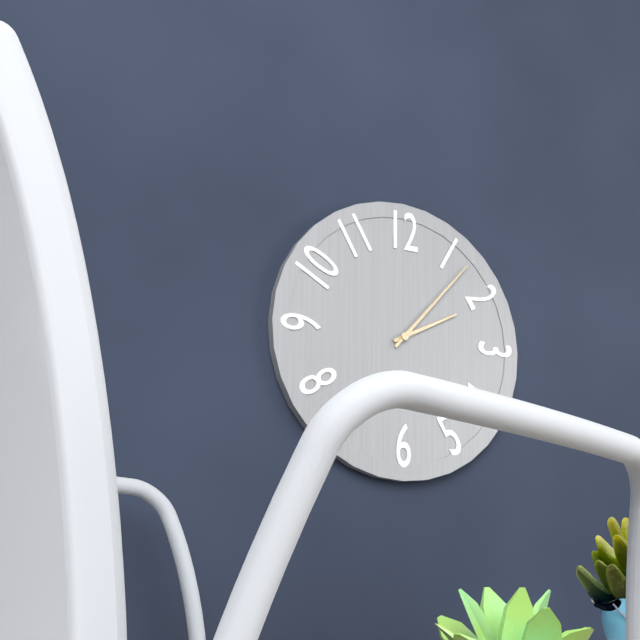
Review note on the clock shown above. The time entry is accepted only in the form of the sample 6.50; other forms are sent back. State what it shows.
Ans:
2.07
